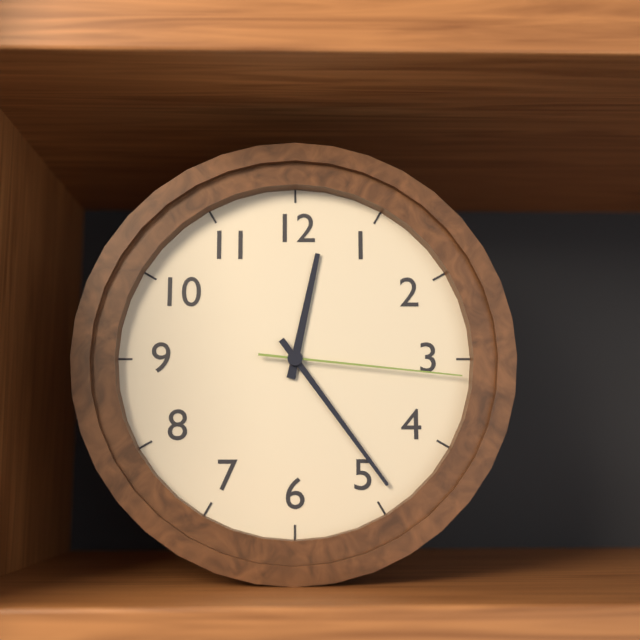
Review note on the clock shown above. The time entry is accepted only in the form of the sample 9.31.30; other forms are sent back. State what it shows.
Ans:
12.24.16
